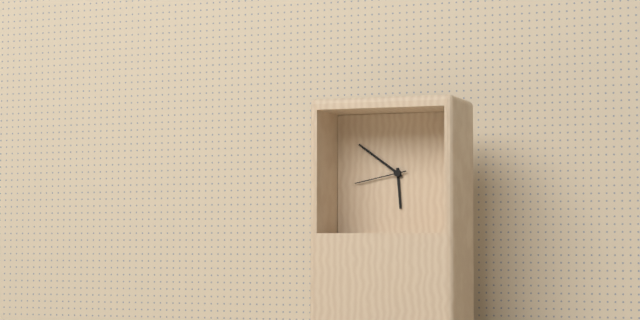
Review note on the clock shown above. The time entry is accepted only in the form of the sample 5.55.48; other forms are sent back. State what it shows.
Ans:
5.51.43
